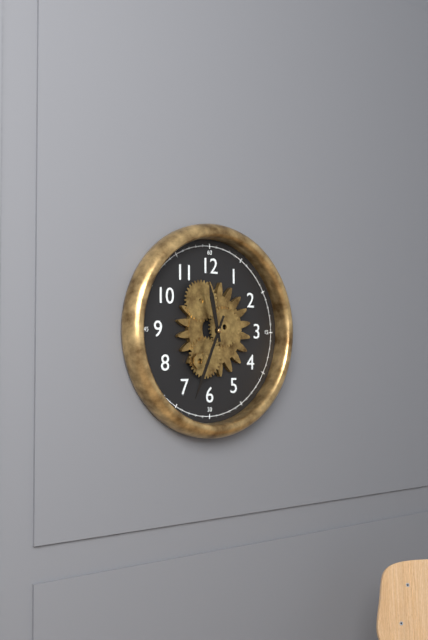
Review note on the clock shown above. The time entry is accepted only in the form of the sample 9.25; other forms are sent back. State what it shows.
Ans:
11.34
